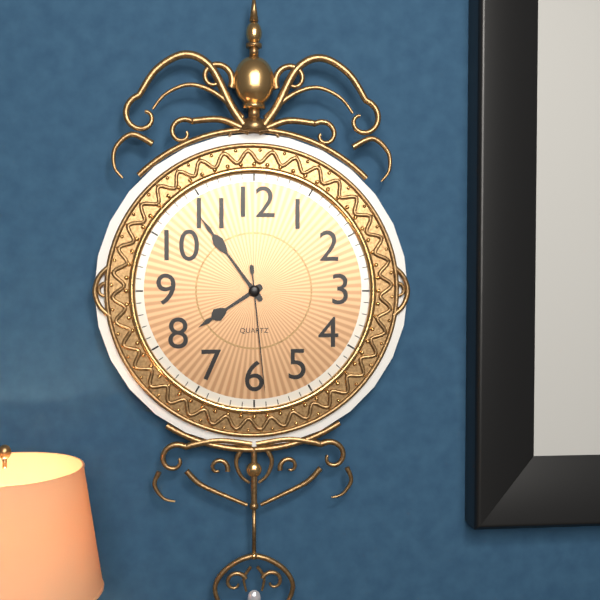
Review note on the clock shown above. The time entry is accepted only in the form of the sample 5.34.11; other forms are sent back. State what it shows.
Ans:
7.54.29
